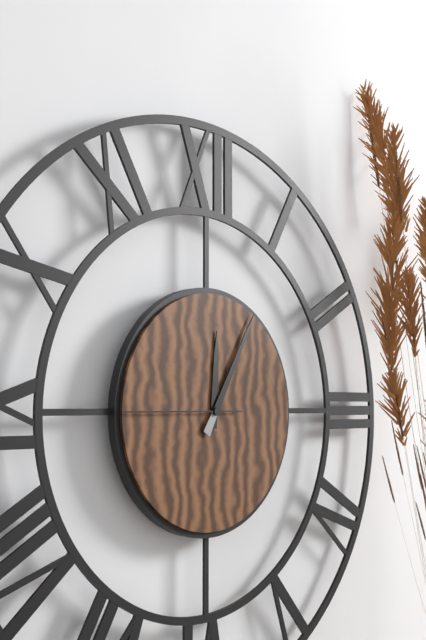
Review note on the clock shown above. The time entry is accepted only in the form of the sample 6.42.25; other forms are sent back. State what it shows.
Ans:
12.05.45
